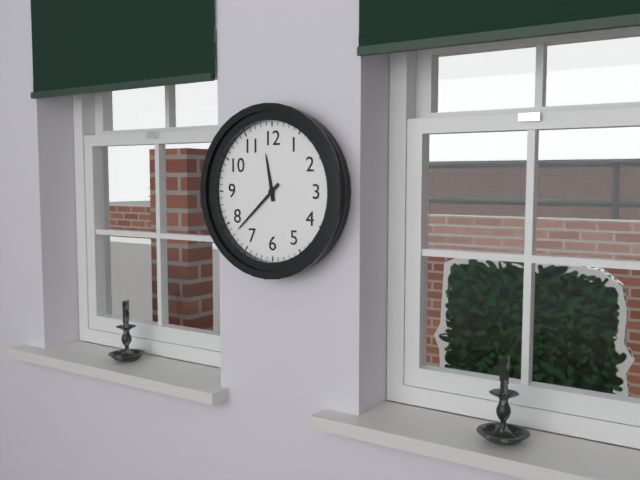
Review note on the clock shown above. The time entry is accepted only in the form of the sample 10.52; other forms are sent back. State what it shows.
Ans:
11.38
